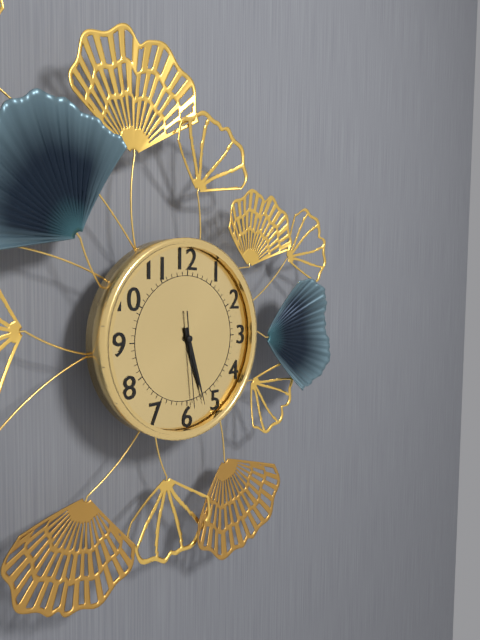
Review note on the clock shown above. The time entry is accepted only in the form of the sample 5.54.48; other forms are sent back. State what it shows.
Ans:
5.27.29
